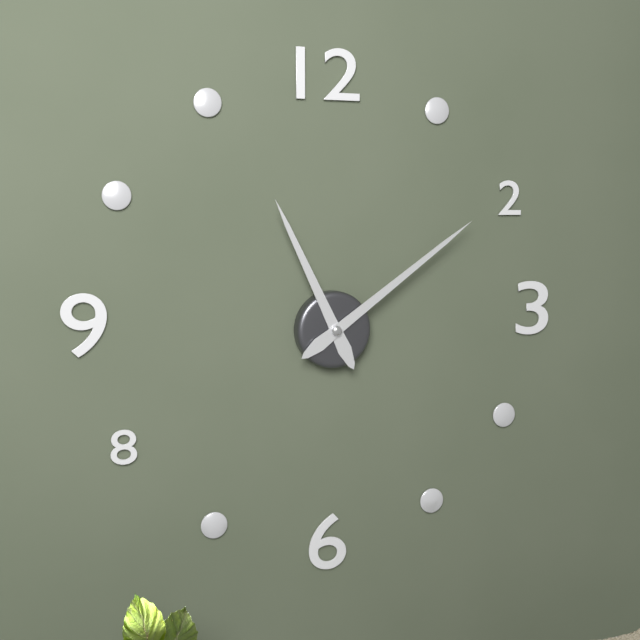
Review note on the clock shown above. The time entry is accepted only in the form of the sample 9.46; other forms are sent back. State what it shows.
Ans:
11.09
